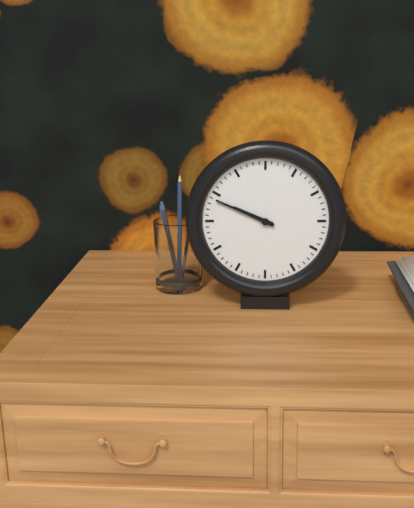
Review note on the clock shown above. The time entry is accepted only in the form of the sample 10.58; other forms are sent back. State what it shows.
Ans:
9.49
